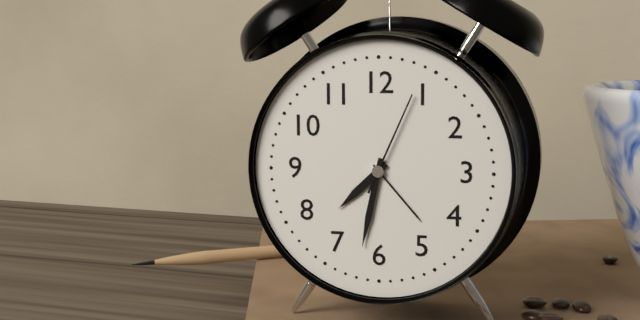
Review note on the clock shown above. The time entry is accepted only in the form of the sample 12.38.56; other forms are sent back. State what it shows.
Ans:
7.32.04
